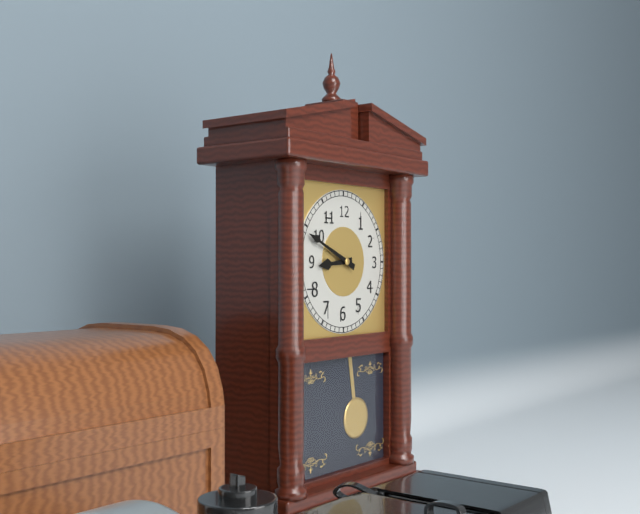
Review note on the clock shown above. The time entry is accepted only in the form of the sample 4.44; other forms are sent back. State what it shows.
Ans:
8.49
